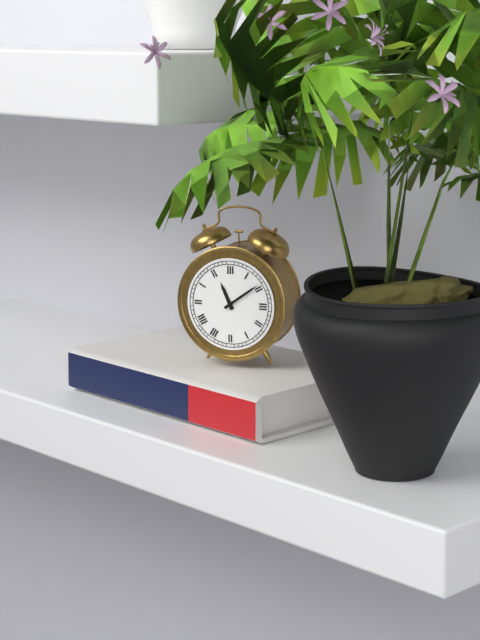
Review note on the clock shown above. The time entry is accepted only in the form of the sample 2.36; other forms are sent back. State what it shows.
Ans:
11.09
